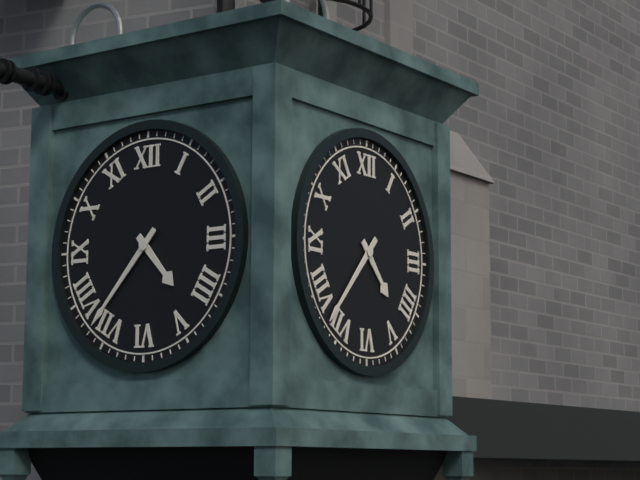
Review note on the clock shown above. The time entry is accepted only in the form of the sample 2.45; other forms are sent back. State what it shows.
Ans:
4.37
